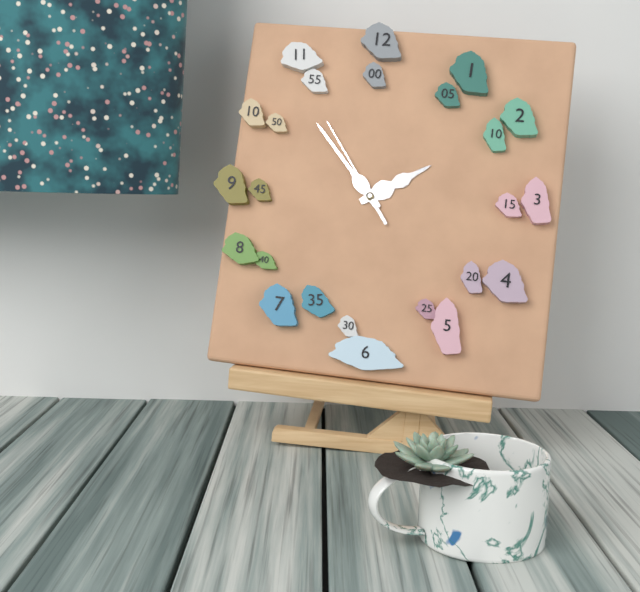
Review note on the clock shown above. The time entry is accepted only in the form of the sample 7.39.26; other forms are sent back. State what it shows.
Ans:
1.53.54
